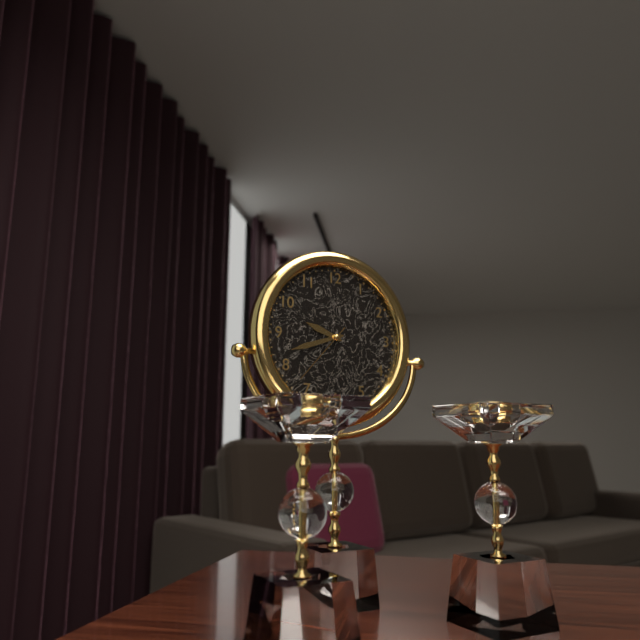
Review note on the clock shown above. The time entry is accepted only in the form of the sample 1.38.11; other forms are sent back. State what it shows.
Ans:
9.42.37
